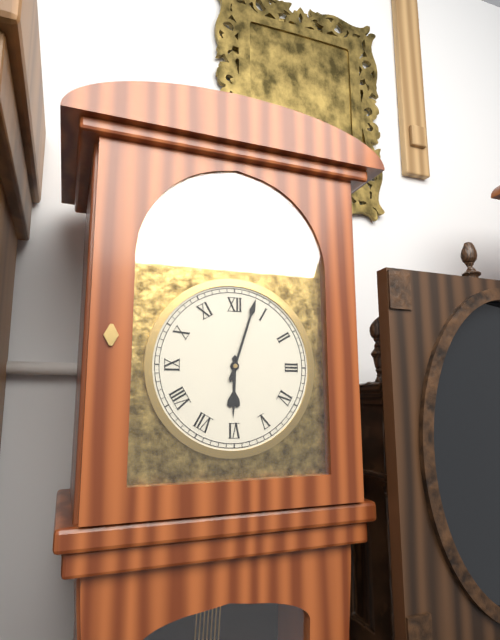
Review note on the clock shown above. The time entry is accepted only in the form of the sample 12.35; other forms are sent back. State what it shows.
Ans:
6.03
